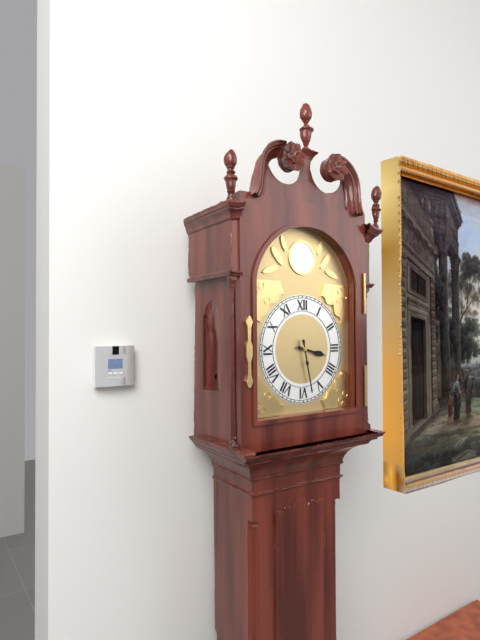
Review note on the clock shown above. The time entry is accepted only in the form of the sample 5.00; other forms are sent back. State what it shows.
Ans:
3.28
